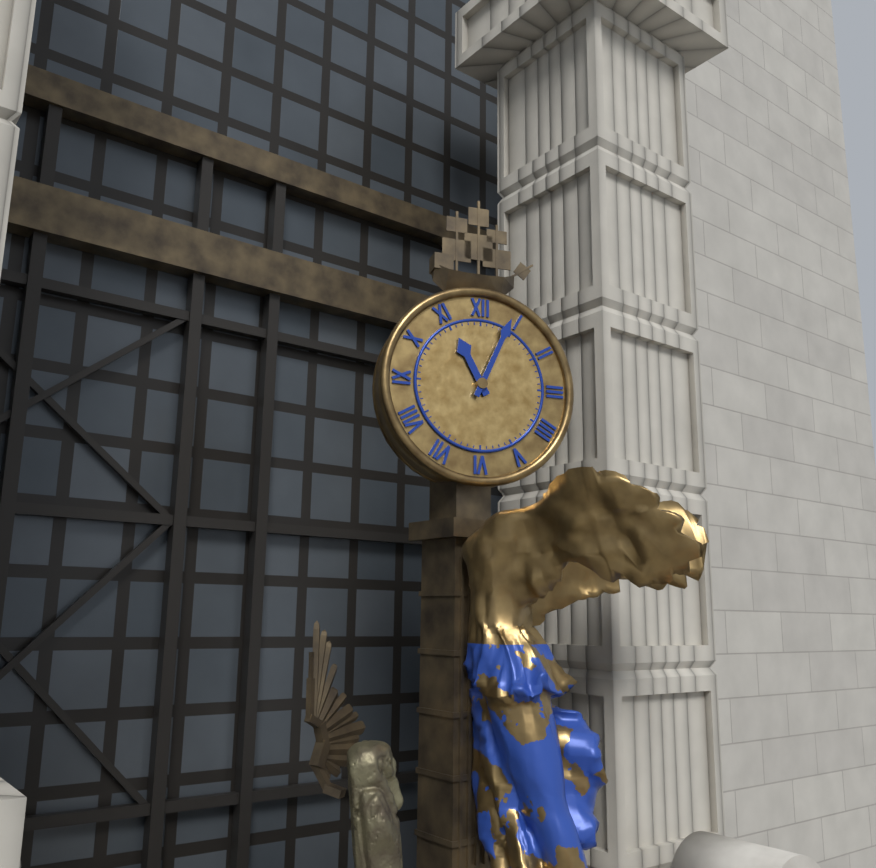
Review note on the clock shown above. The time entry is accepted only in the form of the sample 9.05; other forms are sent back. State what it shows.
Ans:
11.04
